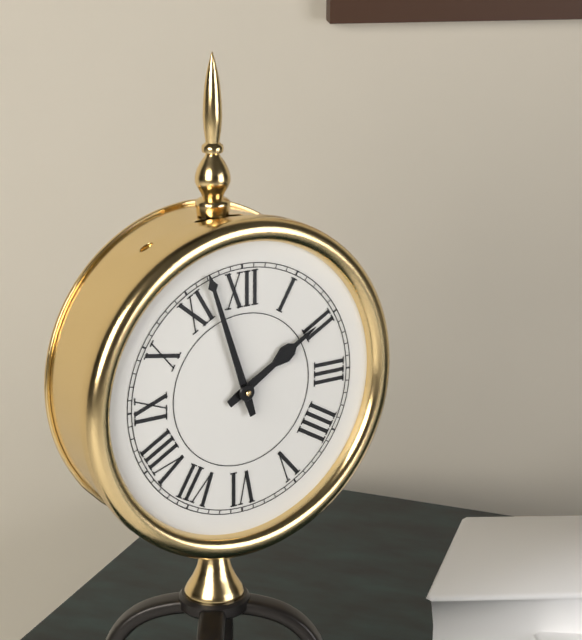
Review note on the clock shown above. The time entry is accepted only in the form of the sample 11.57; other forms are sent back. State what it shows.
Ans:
1.57
